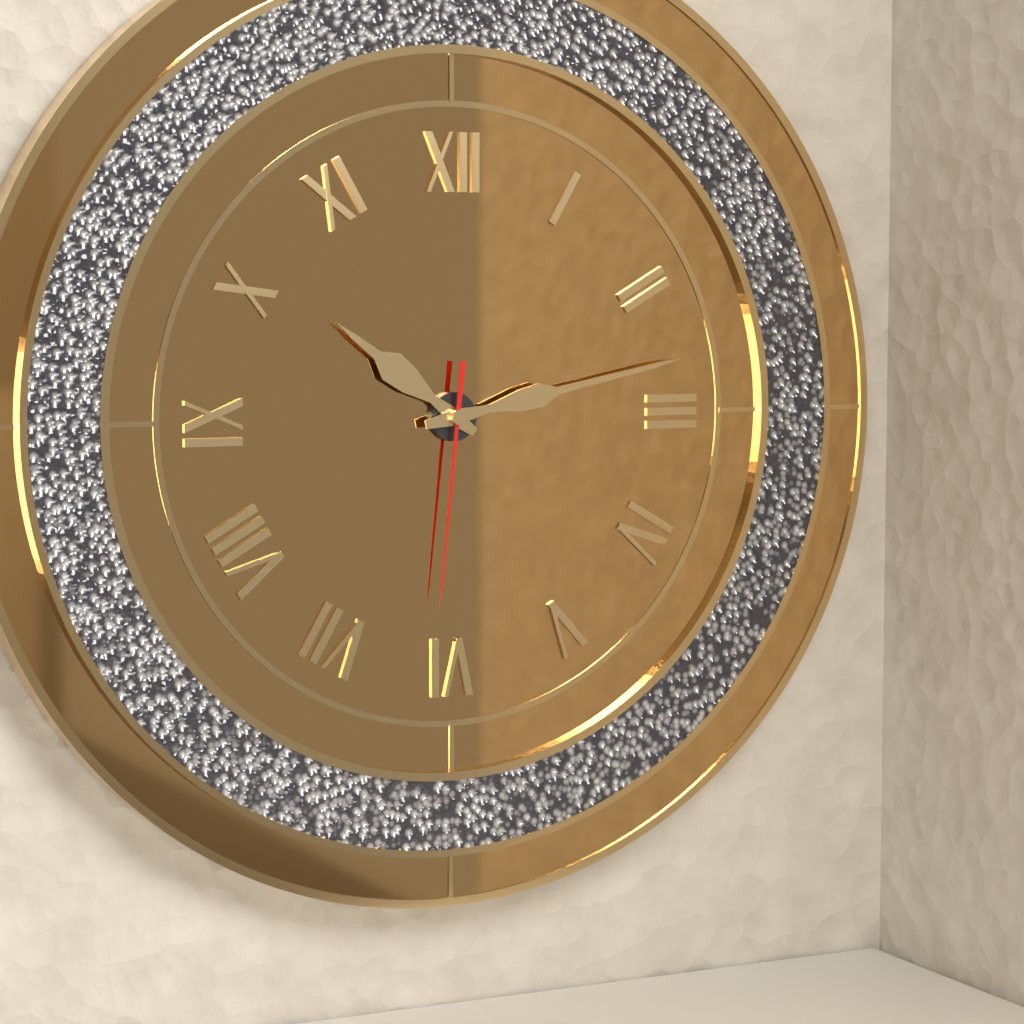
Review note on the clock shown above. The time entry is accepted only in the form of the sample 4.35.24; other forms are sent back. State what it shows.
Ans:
10.13.31
